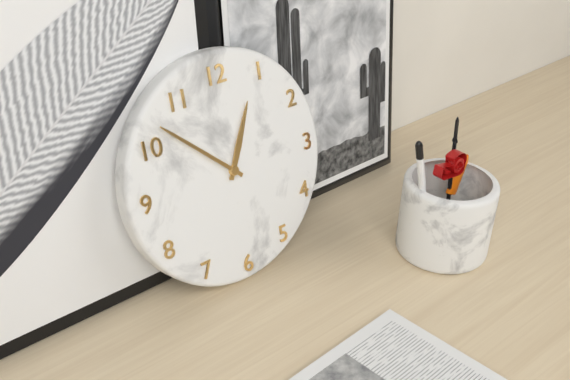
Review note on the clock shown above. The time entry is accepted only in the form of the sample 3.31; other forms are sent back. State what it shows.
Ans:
12.52
